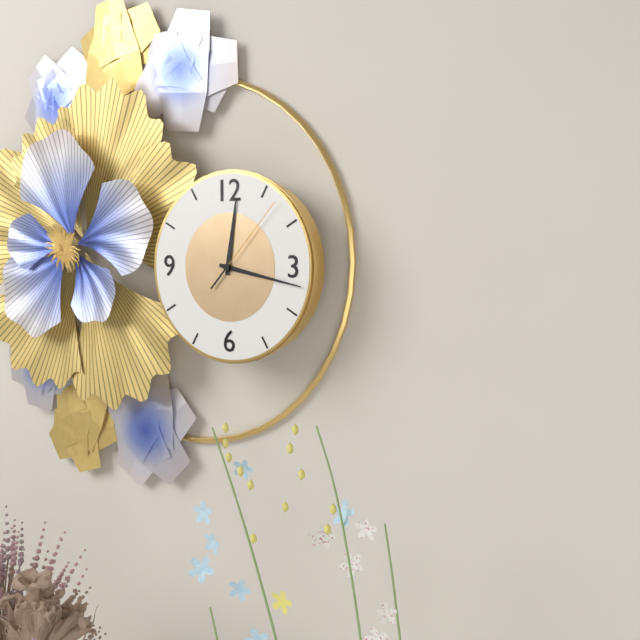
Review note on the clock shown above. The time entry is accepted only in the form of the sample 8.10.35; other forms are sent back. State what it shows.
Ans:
12.17.07
